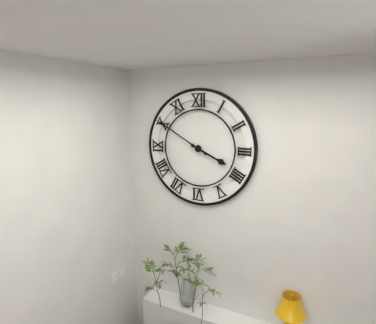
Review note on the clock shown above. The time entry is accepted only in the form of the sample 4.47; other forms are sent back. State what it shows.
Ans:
3.50
